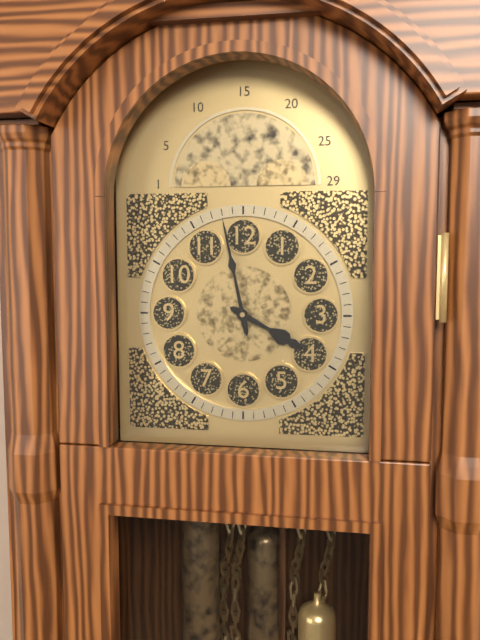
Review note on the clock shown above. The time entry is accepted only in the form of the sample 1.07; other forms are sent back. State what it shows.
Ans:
3.58
